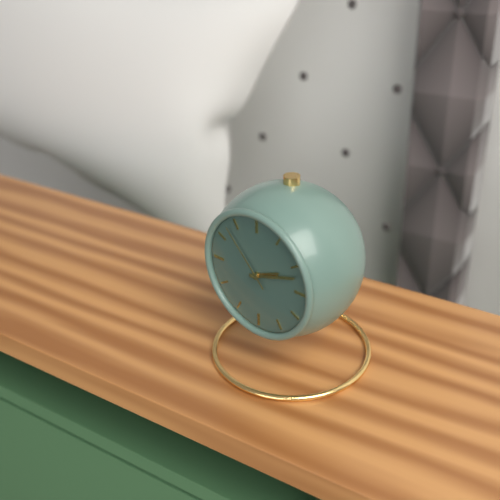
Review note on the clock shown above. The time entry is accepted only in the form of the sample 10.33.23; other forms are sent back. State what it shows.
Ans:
2.12.53
